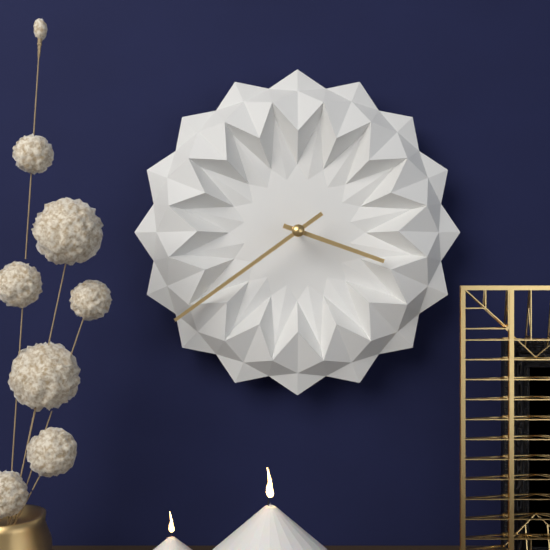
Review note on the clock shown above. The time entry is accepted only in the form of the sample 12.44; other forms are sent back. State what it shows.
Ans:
3.39
